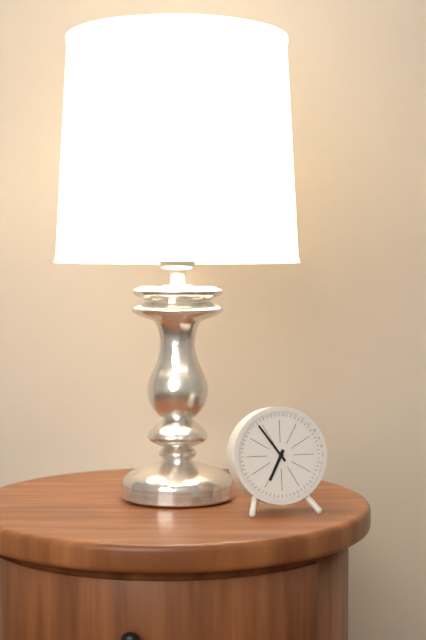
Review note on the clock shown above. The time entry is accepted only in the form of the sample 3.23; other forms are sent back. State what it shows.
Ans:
6.54
